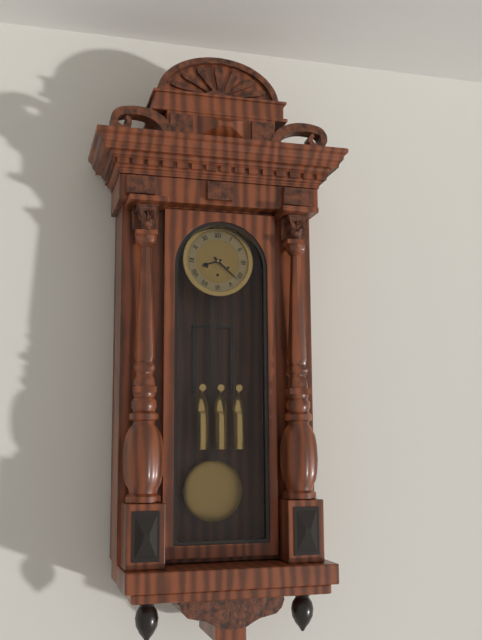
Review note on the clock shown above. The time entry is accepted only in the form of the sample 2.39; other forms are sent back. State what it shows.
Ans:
8.22
